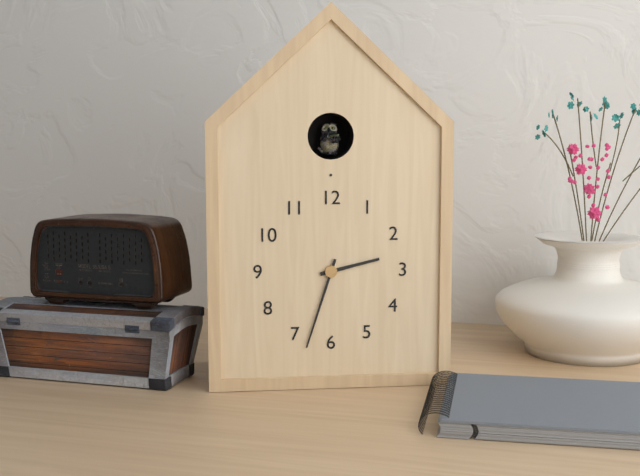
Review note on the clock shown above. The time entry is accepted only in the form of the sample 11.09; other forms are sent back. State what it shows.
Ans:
2.33
